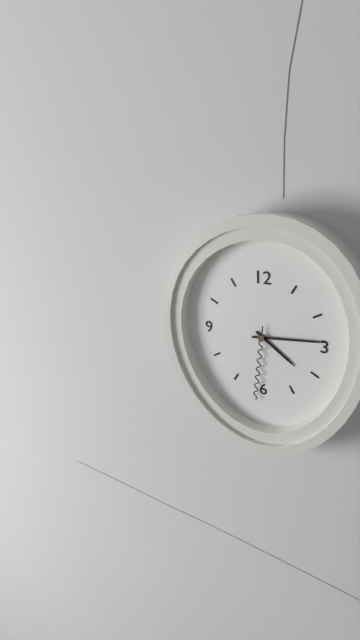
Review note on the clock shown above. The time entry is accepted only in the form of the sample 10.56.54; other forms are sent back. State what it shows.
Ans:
4.14.31
